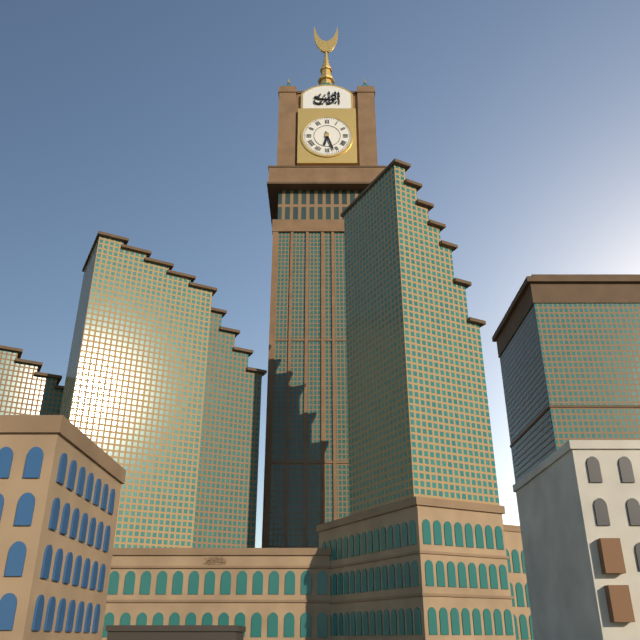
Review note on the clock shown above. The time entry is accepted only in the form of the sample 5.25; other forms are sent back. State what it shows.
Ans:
6.27
